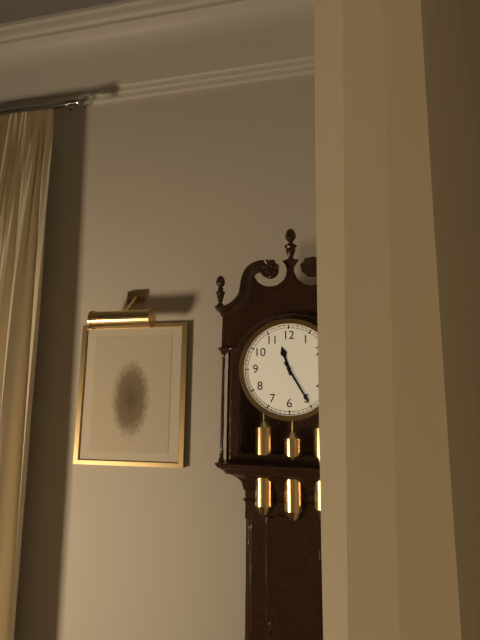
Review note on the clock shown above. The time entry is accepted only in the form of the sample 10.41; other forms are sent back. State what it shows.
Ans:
11.25
